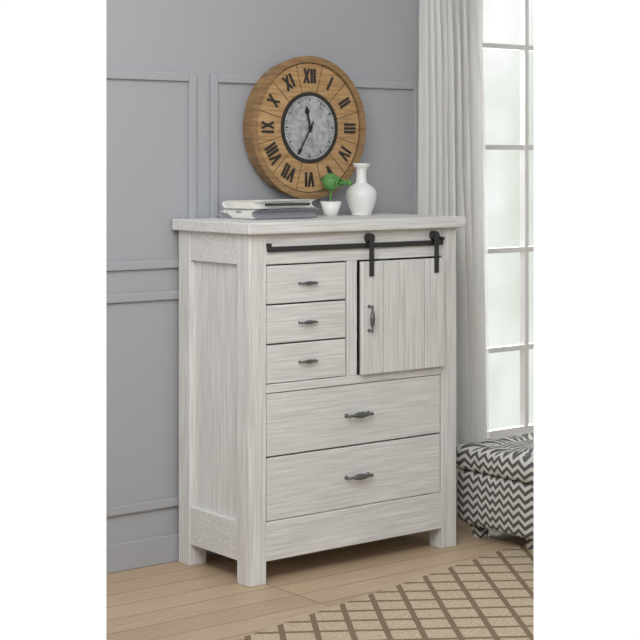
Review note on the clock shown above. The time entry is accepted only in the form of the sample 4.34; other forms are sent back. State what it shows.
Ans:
11.35
